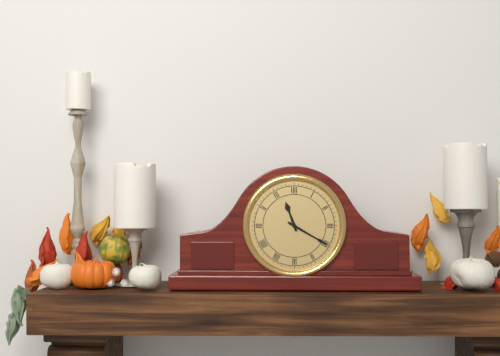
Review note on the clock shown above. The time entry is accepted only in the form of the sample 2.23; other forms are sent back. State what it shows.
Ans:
11.20
